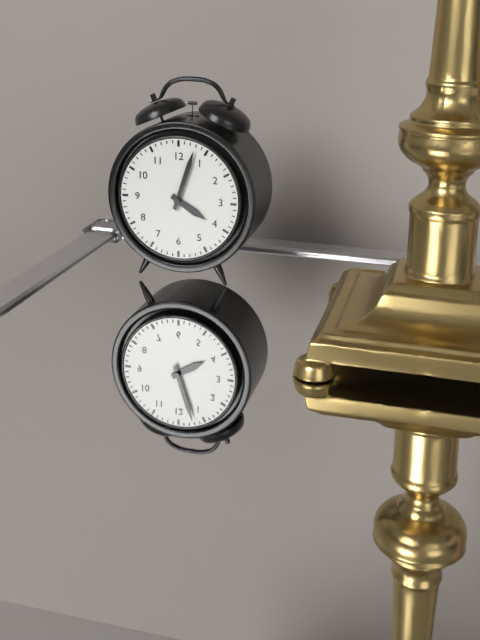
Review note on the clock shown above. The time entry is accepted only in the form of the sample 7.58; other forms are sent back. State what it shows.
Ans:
4.03
